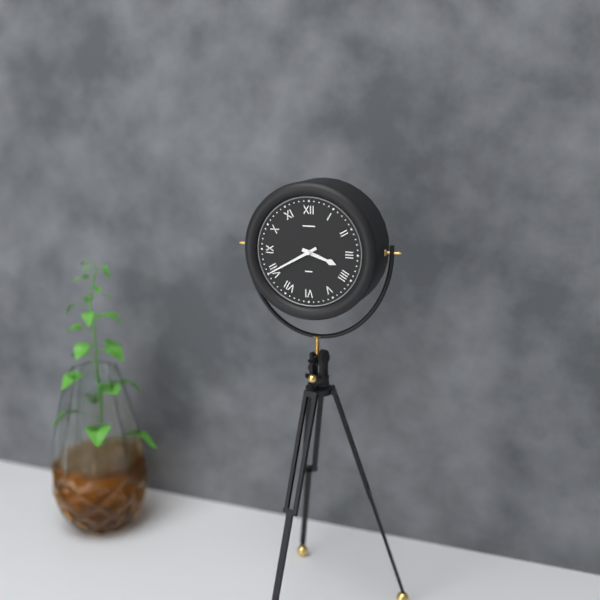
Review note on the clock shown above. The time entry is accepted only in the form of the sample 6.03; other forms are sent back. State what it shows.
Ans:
3.40
